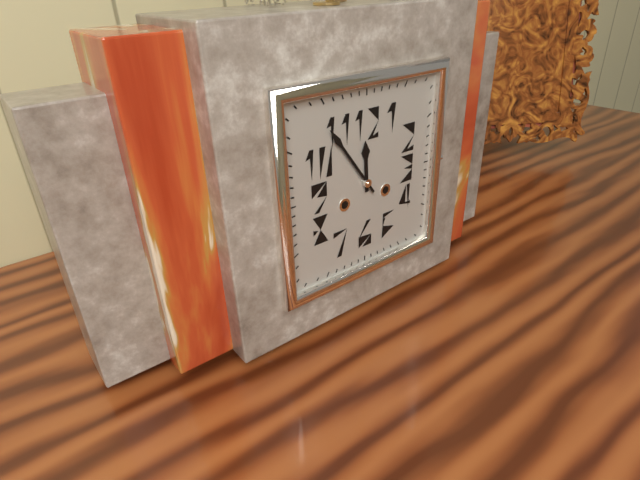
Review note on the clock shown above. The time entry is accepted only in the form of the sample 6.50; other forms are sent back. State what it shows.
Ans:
11.54
